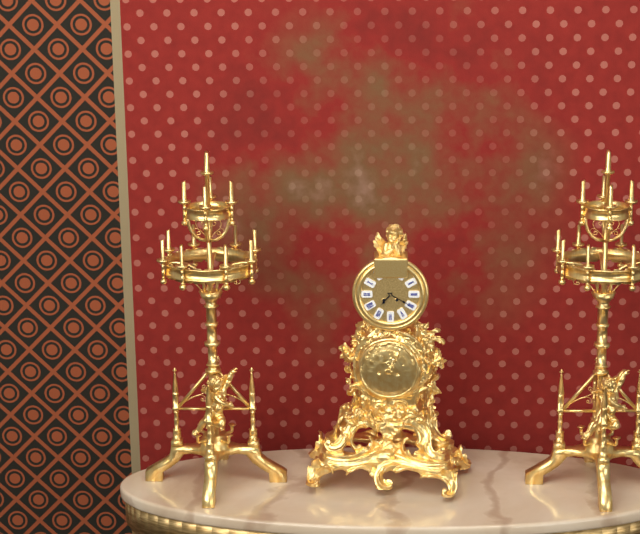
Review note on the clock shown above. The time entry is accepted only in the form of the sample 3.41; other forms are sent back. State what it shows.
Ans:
7.20
